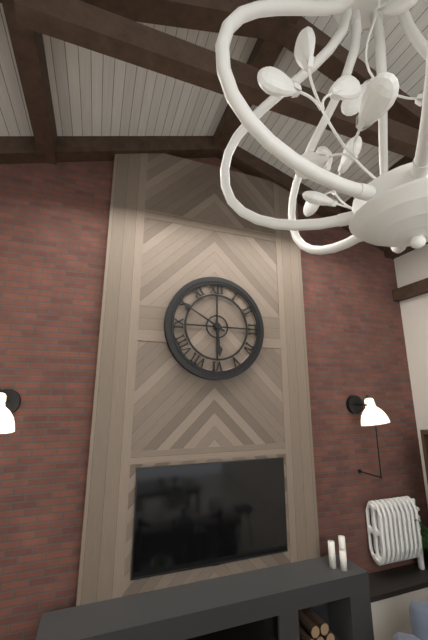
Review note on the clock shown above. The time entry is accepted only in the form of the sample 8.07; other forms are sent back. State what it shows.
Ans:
5.50
